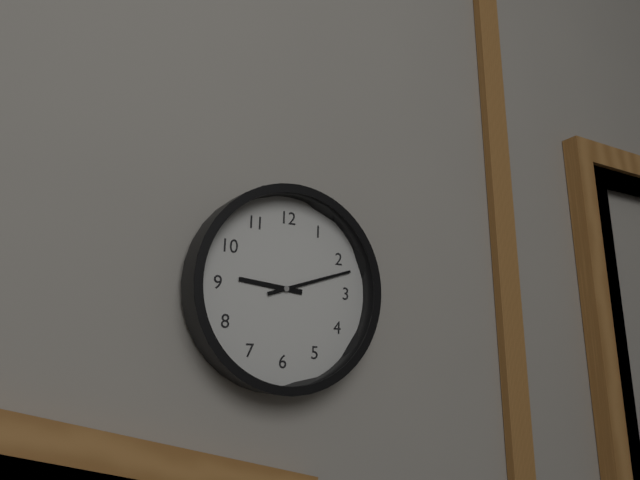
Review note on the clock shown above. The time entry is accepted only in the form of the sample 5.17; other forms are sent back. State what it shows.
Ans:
9.12
